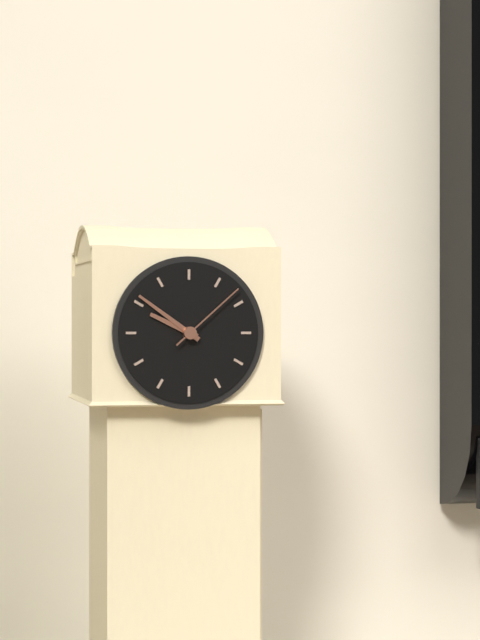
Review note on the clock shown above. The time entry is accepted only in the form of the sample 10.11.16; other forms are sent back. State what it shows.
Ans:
9.51.08
